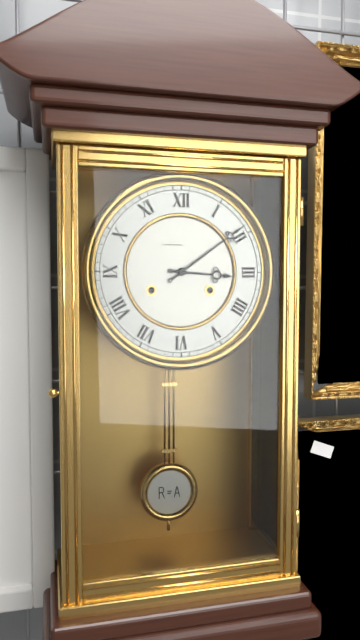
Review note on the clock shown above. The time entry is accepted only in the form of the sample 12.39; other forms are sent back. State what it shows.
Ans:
3.09
